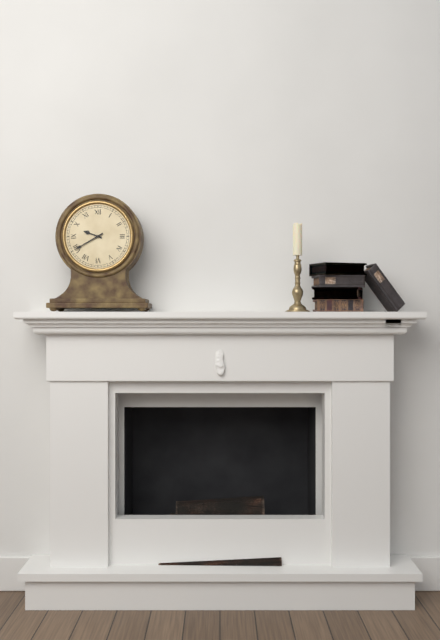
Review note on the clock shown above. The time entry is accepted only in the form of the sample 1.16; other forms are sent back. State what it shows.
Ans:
9.40
